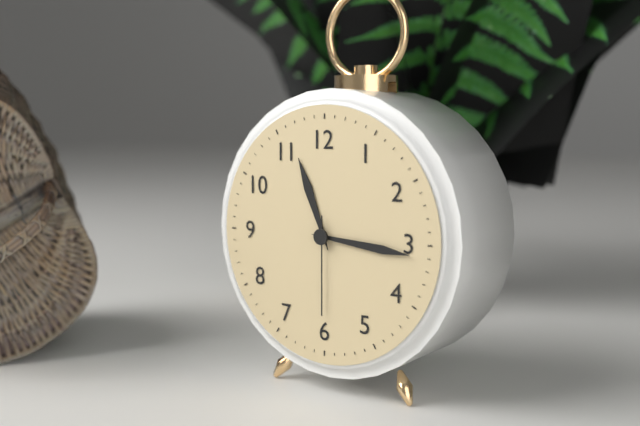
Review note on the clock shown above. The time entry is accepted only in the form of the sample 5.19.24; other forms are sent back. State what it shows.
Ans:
11.16.30
